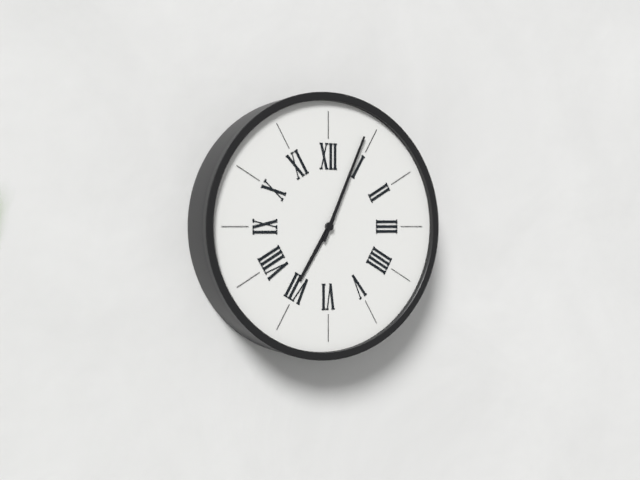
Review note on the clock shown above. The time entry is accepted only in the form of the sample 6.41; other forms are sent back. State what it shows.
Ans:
7.04
